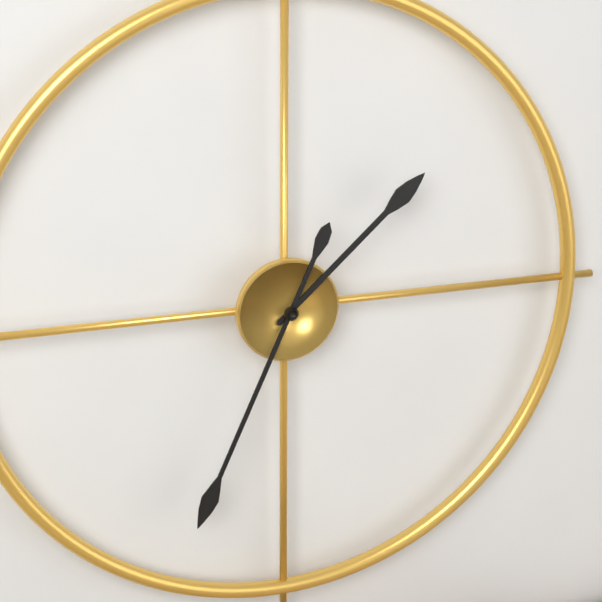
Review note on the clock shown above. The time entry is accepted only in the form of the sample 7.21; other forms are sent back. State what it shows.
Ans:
1.34
